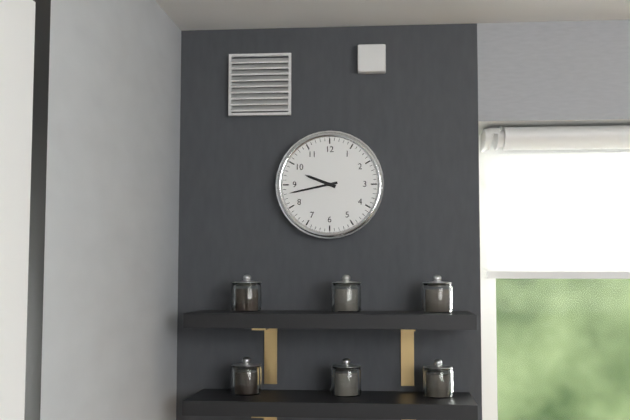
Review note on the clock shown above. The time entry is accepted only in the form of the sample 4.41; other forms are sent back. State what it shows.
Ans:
9.43
